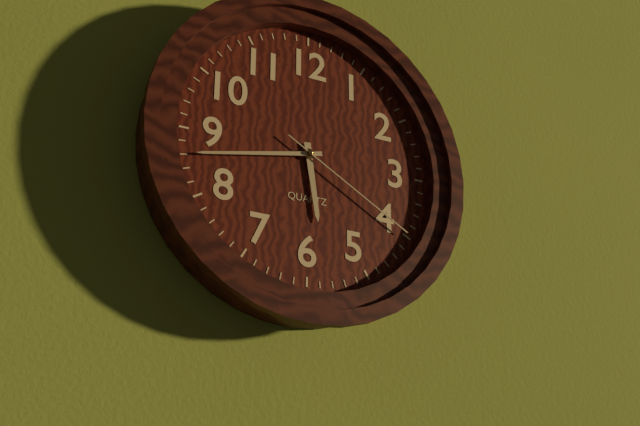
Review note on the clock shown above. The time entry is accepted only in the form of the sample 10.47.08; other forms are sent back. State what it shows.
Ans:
5.43.20
